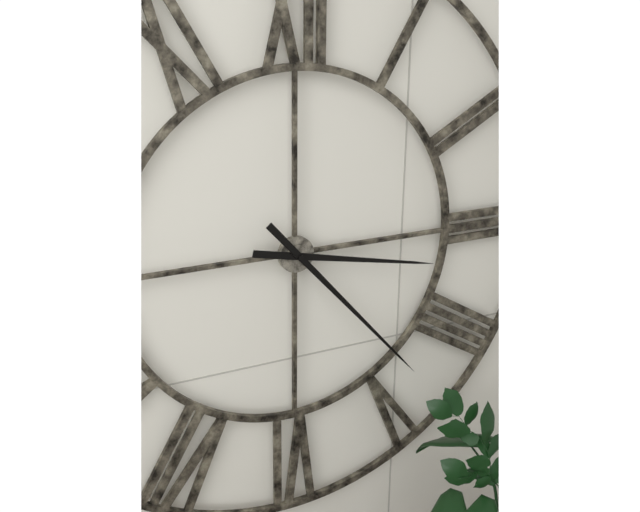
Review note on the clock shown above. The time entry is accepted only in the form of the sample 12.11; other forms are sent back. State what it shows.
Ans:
3.23
